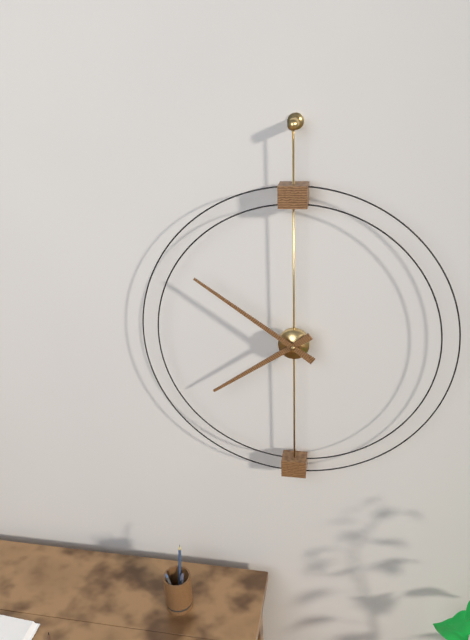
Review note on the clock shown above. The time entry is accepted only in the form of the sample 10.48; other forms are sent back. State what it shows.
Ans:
7.51
